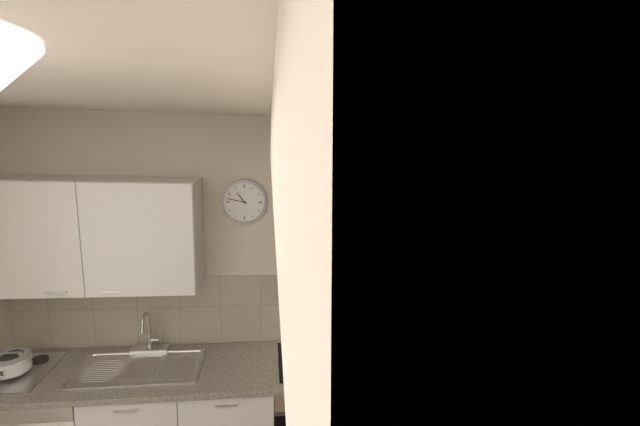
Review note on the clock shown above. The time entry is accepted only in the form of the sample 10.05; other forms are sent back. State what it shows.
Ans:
10.47
